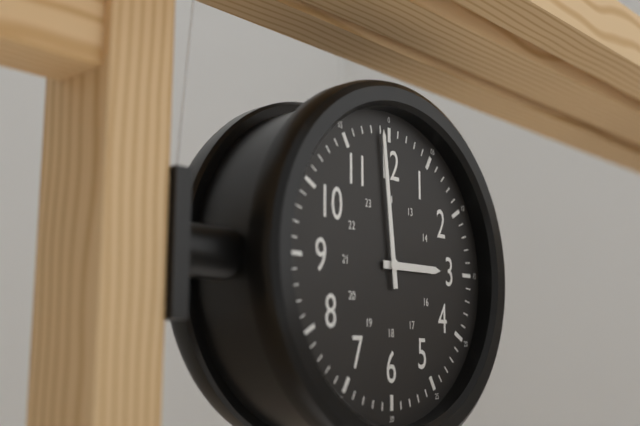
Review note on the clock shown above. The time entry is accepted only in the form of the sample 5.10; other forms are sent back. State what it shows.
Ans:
2.59
